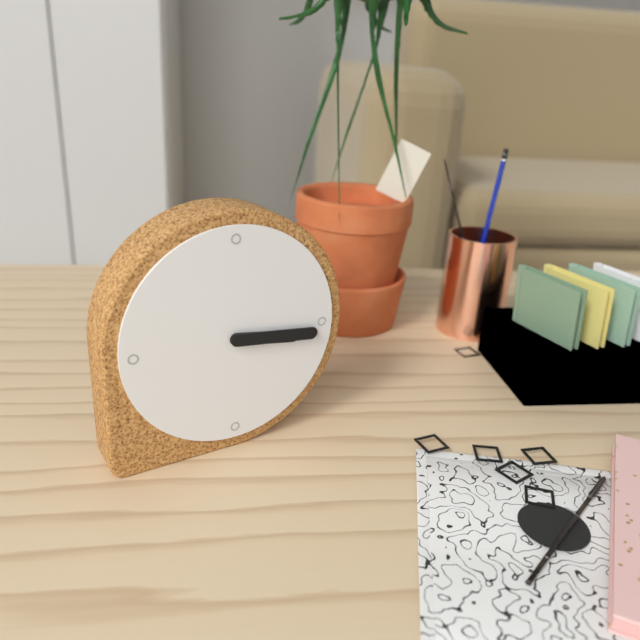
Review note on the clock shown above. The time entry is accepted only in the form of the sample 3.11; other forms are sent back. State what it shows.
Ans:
3.16
